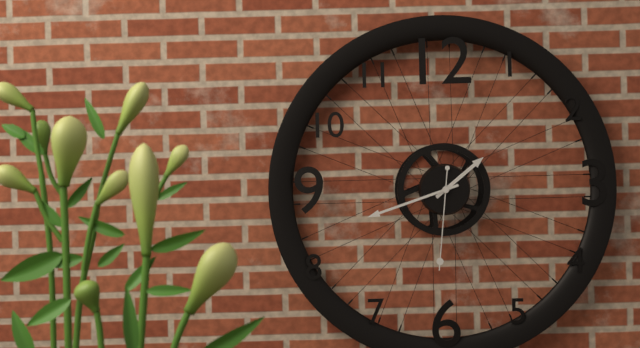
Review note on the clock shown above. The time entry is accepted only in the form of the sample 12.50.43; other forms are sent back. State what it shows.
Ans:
1.42.31
